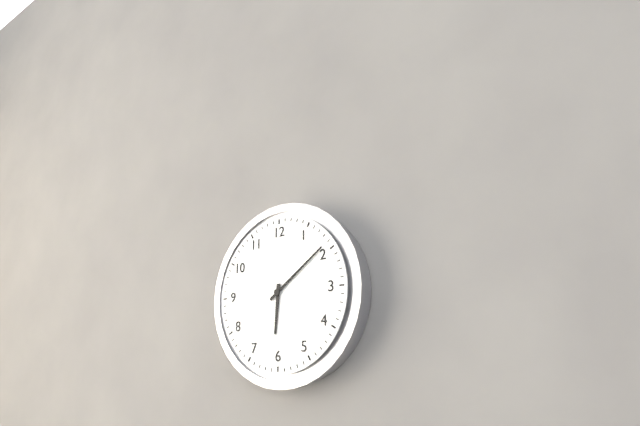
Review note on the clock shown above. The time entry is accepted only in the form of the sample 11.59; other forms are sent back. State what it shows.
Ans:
6.09
